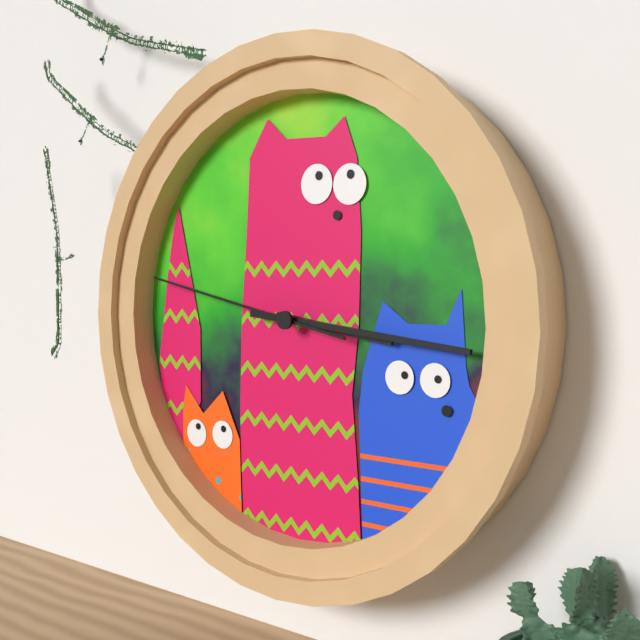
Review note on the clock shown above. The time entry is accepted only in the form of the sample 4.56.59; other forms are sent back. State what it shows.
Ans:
3.16.47
